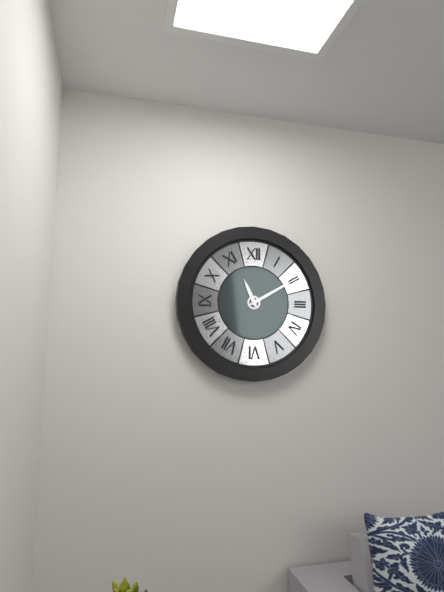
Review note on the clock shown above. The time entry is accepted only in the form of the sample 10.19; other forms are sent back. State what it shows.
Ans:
11.10
